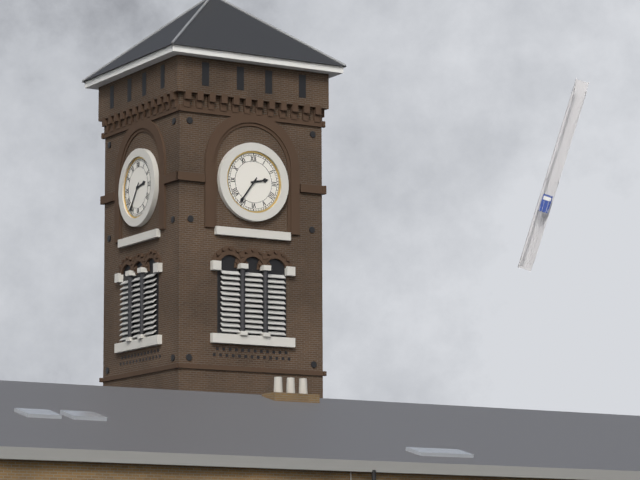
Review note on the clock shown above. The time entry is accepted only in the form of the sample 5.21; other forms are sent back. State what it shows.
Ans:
2.36
